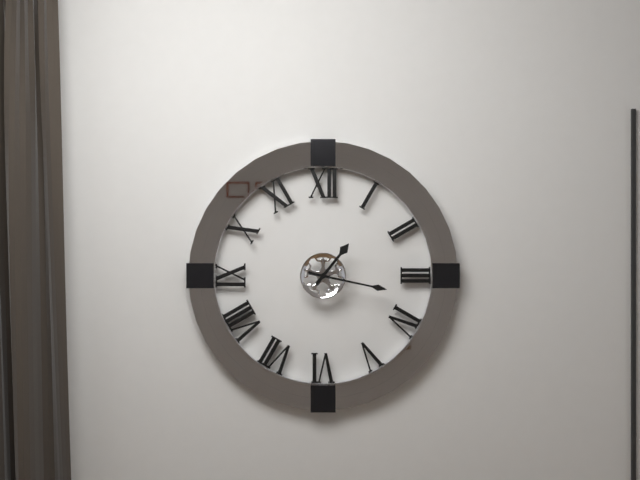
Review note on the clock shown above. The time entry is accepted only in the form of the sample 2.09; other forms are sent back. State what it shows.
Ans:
1.17
